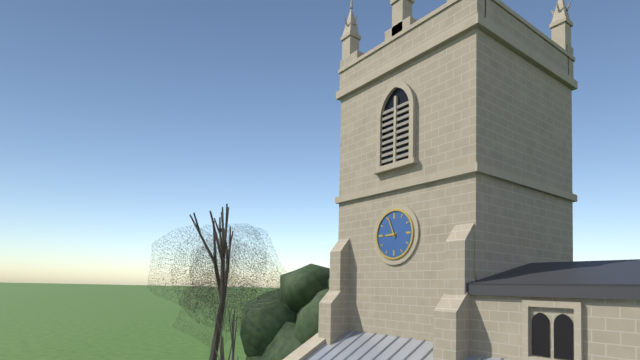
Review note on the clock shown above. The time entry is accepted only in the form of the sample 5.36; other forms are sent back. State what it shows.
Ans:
8.56
